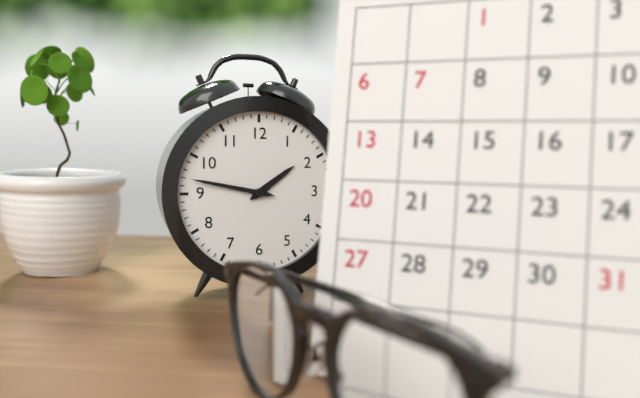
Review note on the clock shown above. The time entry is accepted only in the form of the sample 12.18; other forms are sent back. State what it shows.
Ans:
1.47
